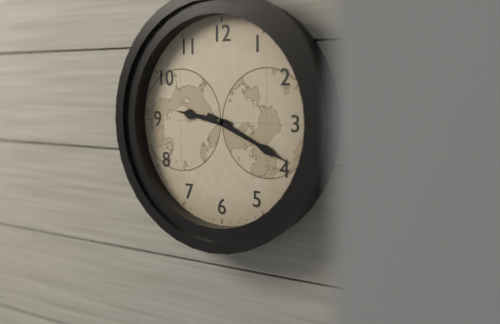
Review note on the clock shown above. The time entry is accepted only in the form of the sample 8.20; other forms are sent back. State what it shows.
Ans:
9.19
